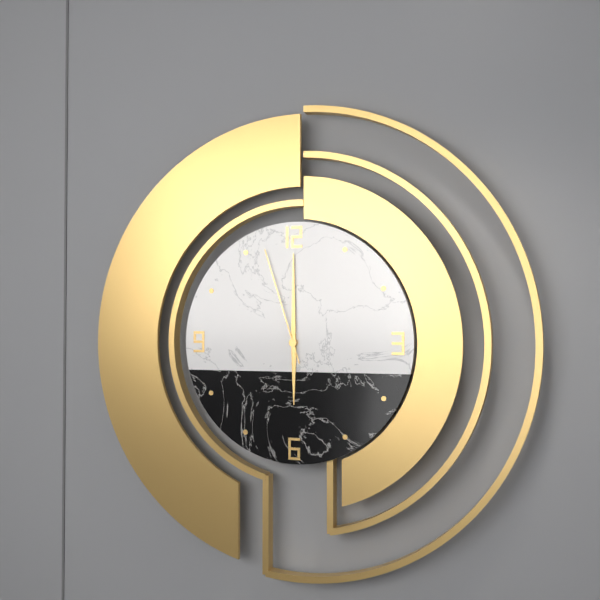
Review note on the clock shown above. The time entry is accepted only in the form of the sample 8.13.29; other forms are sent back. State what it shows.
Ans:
6.00.57
